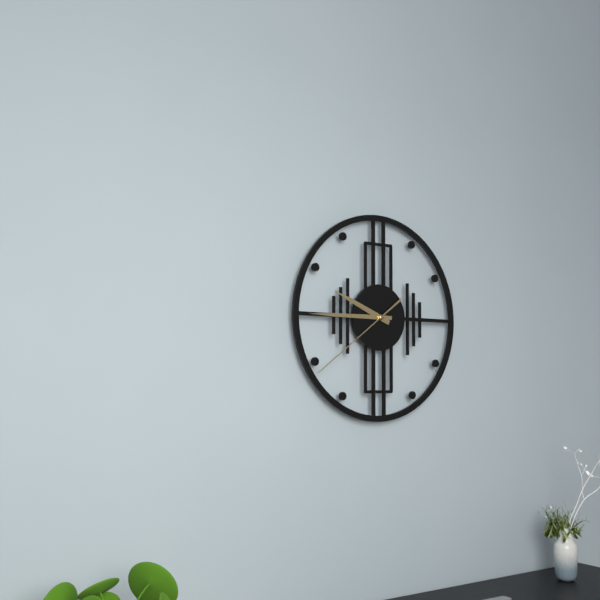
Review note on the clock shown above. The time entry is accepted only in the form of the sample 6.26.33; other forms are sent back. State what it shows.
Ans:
9.45.39
